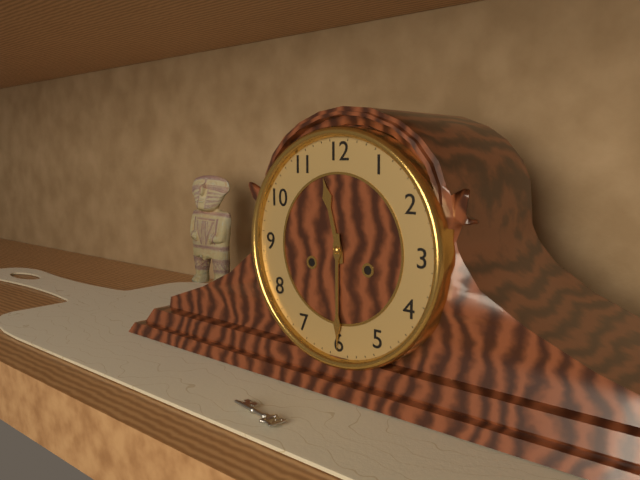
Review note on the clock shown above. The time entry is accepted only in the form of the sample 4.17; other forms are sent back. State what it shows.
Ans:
11.30
